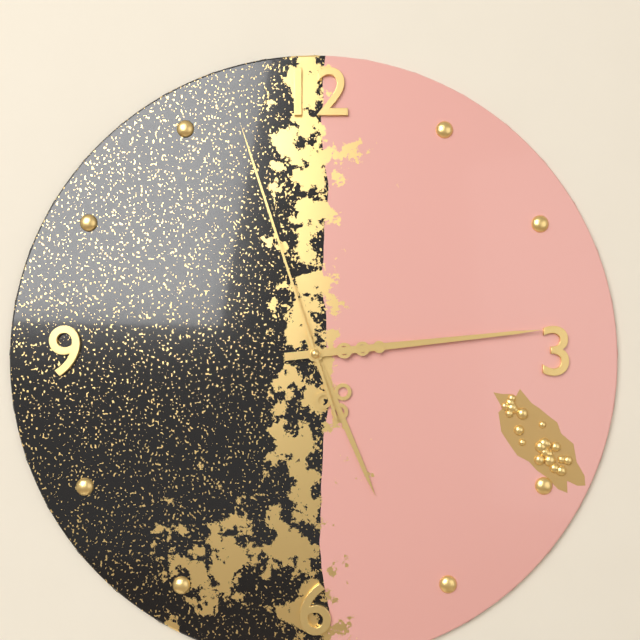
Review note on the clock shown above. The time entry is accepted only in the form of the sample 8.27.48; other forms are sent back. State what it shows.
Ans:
5.14.57
